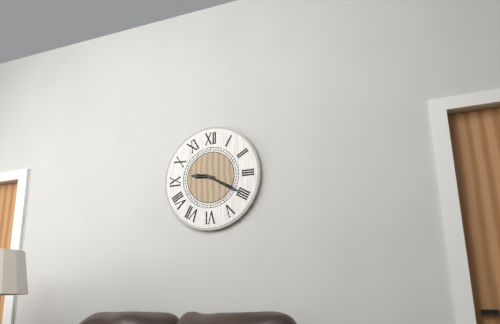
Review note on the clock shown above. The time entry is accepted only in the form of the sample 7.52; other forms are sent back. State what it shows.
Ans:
9.20
